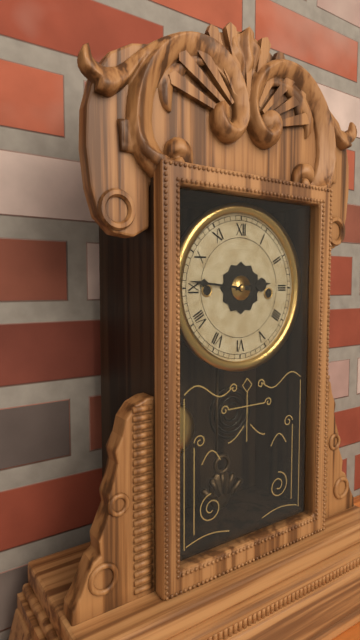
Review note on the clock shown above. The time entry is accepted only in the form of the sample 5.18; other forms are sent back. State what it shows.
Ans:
2.46
